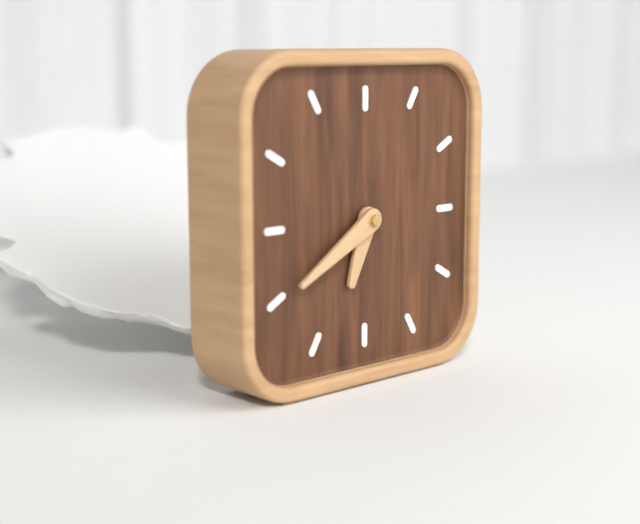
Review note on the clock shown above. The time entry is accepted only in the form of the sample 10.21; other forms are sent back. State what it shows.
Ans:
6.40
